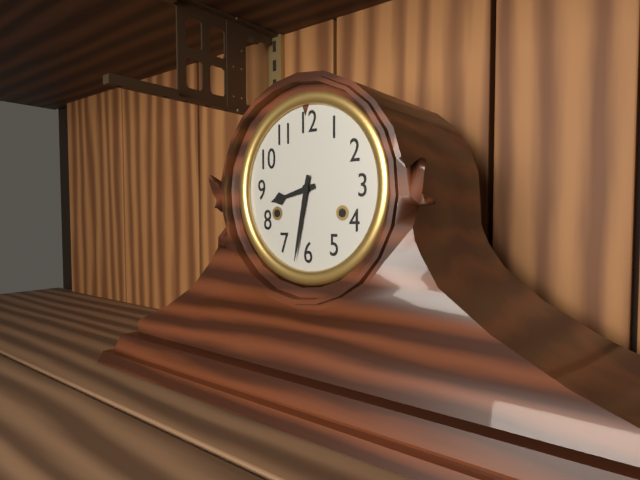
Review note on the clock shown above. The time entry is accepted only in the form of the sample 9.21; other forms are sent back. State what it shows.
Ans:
8.32
